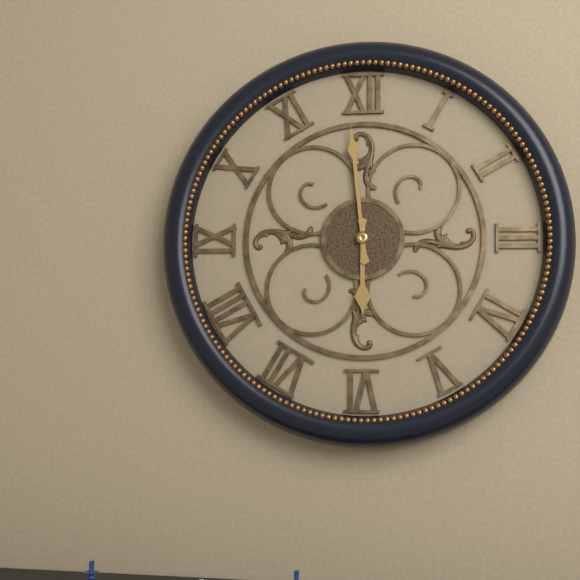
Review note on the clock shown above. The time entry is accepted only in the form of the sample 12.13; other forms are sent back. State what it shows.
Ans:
5.59
